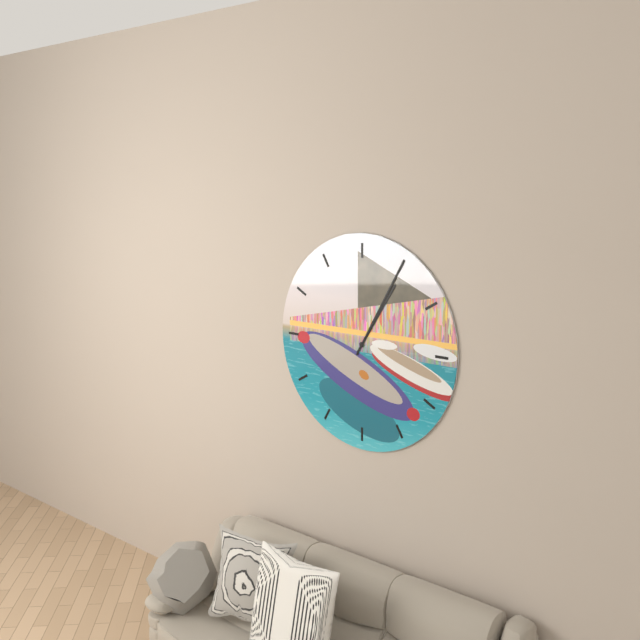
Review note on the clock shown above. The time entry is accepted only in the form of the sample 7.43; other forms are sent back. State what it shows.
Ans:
1.05
